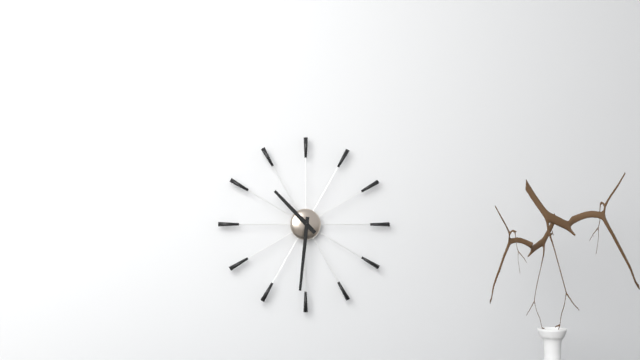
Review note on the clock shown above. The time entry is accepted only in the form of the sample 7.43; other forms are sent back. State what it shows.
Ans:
10.31
